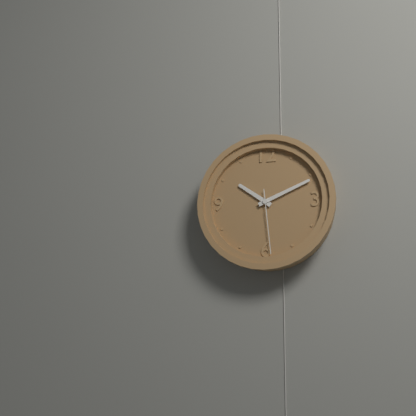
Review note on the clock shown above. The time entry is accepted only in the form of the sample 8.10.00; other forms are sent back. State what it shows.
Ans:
10.11.29
